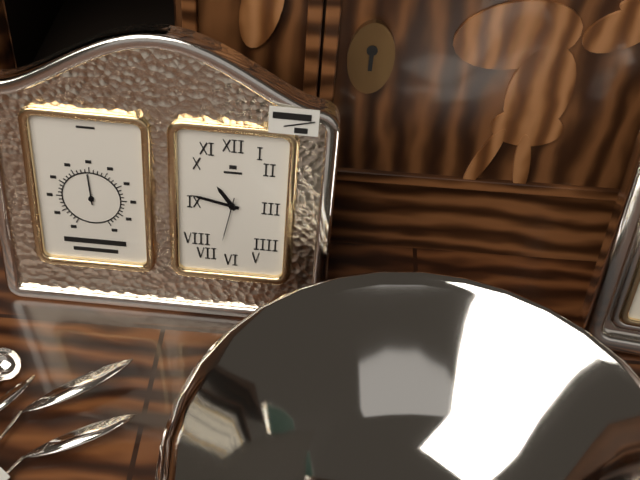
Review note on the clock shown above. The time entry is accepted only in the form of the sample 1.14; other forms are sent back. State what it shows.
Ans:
10.47
